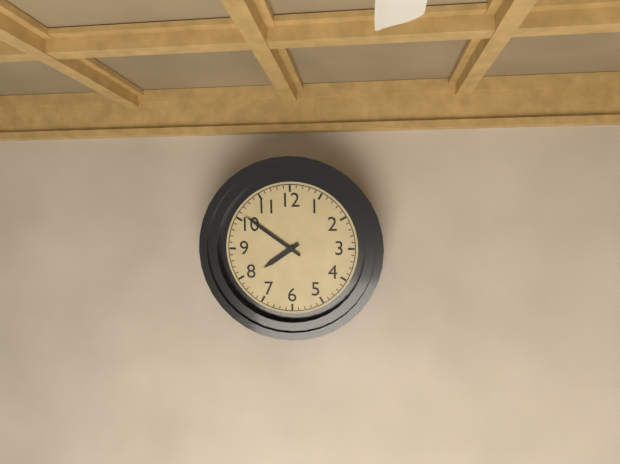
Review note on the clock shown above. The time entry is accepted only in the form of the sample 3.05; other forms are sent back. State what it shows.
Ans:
7.51
